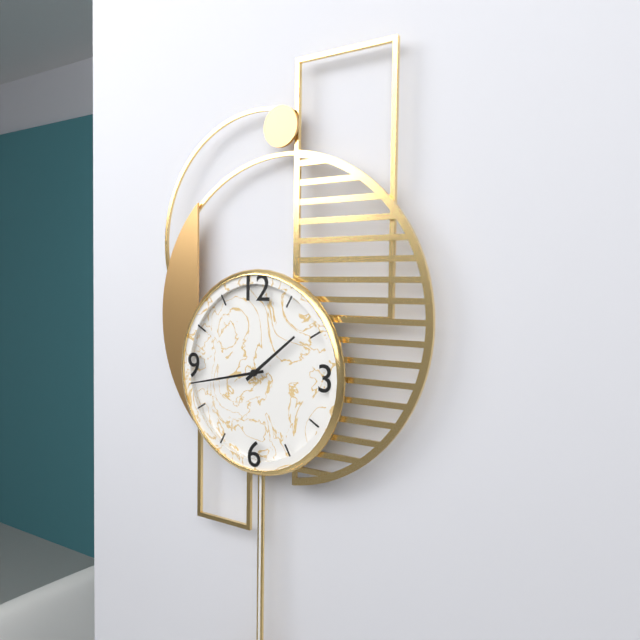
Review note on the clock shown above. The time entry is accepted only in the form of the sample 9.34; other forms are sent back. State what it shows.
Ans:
1.43
